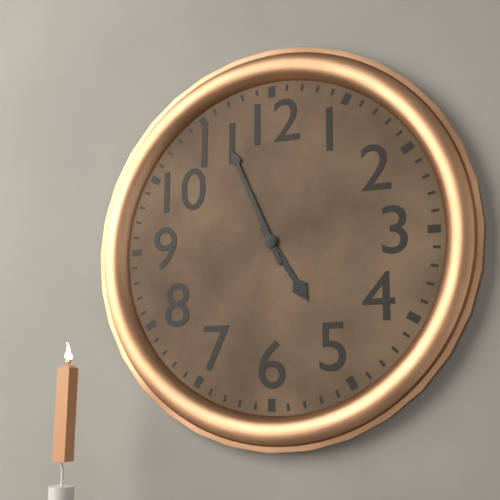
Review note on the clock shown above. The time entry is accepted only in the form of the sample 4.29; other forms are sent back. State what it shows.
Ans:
4.56
